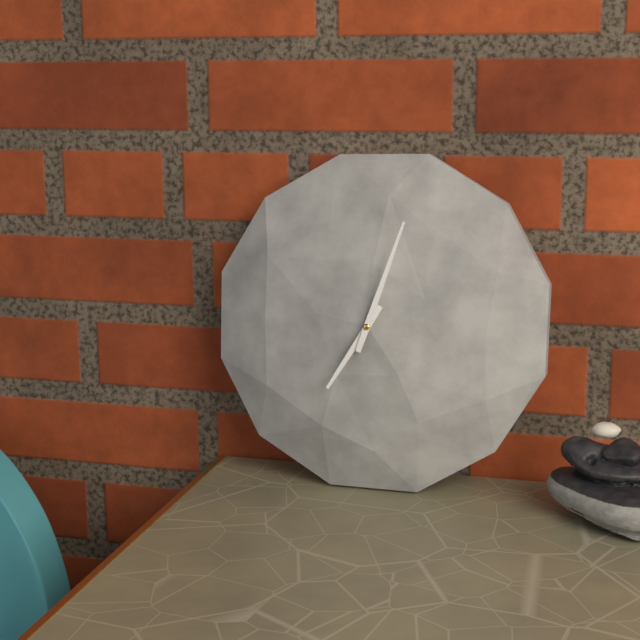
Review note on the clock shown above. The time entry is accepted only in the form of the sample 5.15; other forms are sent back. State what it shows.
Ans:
7.03
